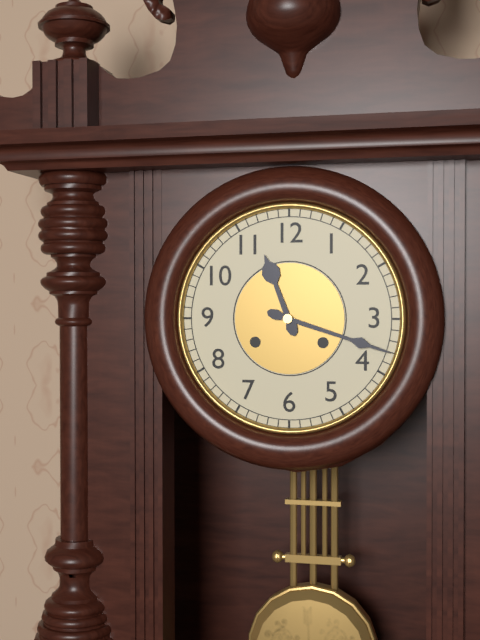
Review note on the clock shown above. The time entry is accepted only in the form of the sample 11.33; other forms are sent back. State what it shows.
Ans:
11.18
